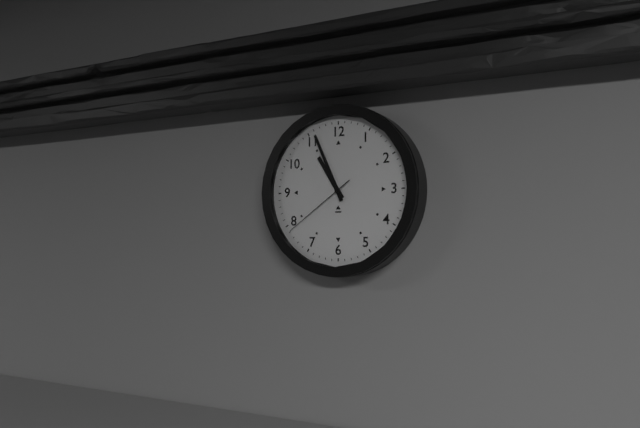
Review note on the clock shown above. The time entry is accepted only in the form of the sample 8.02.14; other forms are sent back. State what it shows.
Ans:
10.56.39
